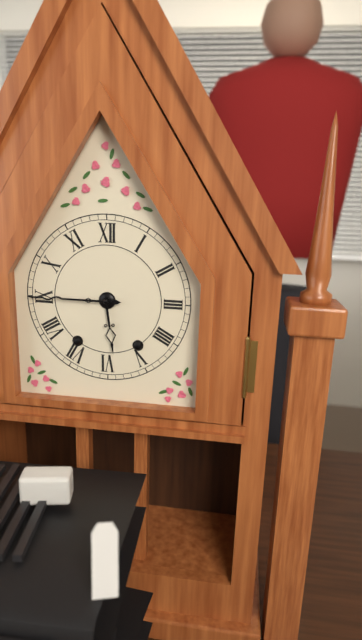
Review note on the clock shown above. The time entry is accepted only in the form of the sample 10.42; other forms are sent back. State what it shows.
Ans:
5.45
